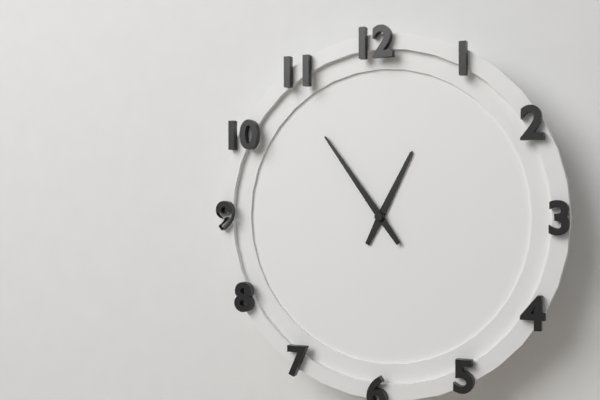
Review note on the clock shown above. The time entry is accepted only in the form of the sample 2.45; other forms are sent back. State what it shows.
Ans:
12.54
